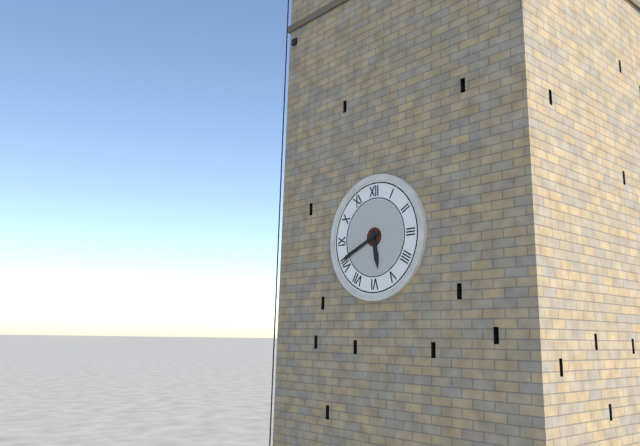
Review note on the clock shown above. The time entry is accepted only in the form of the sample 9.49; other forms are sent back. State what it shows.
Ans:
5.41
